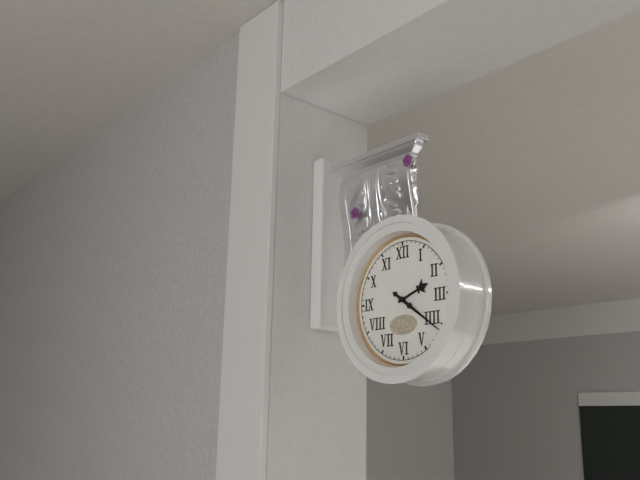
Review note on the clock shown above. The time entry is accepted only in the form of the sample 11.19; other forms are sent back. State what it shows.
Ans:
2.21
